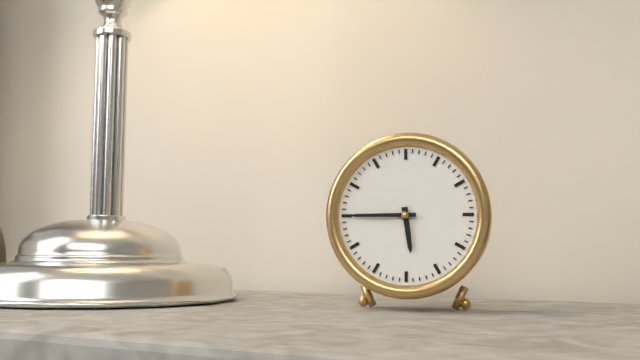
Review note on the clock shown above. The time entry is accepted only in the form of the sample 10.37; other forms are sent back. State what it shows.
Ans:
5.45
